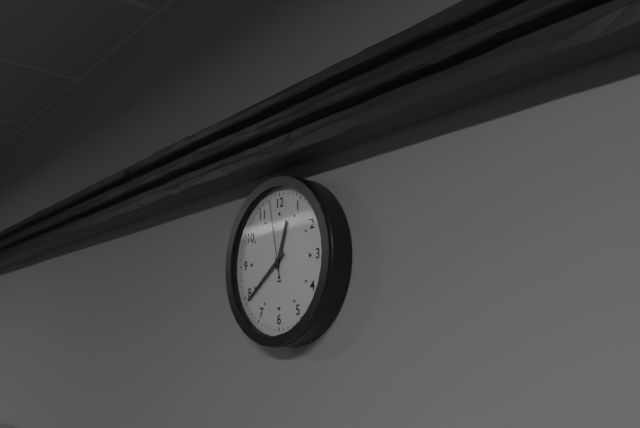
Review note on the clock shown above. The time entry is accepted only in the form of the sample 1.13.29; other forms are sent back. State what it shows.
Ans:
12.39.58
